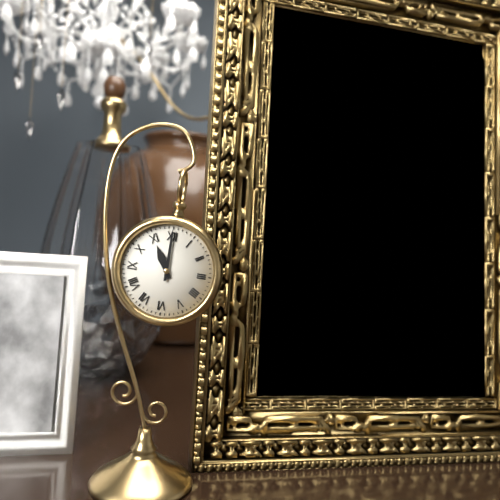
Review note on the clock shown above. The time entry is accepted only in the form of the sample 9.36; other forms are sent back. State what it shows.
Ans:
11.00
